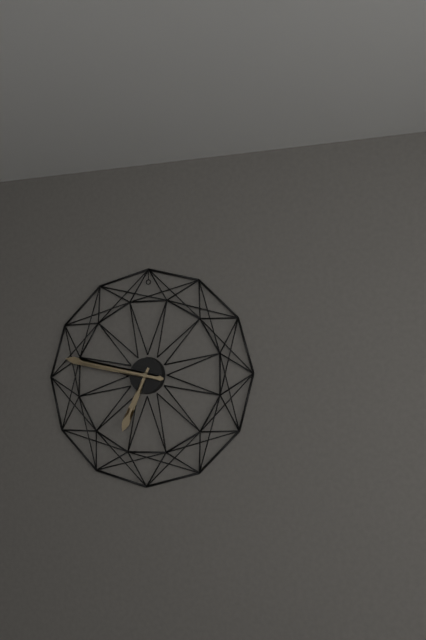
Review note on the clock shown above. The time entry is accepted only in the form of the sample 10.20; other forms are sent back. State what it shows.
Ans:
6.47
